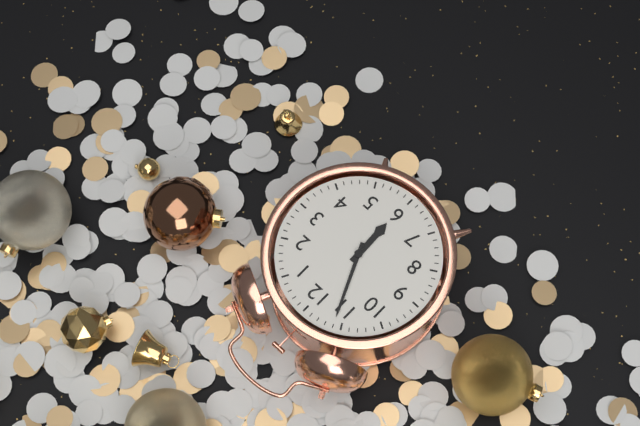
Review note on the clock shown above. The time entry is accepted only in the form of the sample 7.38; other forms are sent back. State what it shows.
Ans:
5.56
